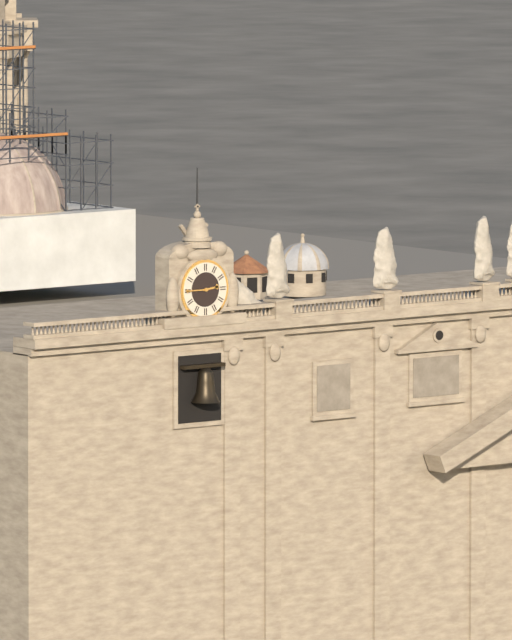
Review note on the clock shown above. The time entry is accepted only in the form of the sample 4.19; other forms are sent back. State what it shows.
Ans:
2.45
